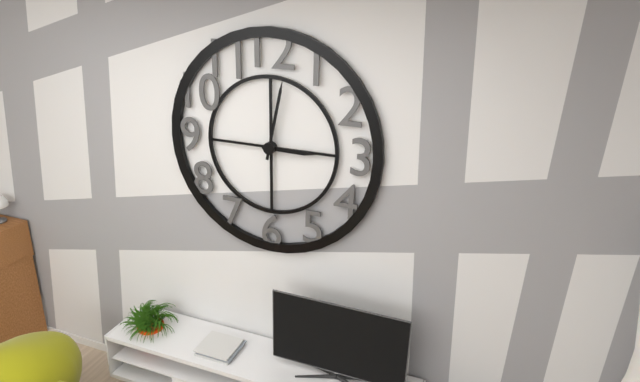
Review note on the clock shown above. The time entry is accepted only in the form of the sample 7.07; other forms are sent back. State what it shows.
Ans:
3.02
